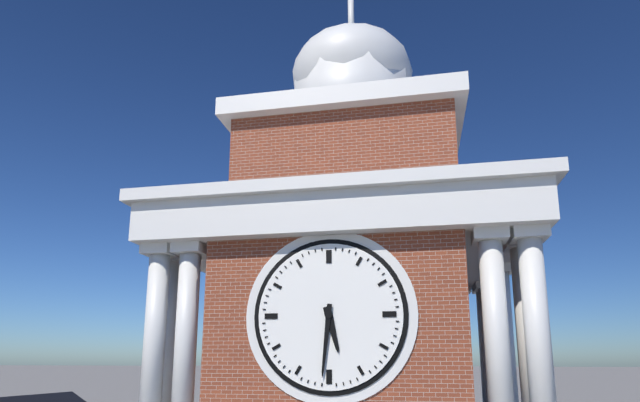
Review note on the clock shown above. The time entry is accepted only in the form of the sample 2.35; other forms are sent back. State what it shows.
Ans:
5.31
